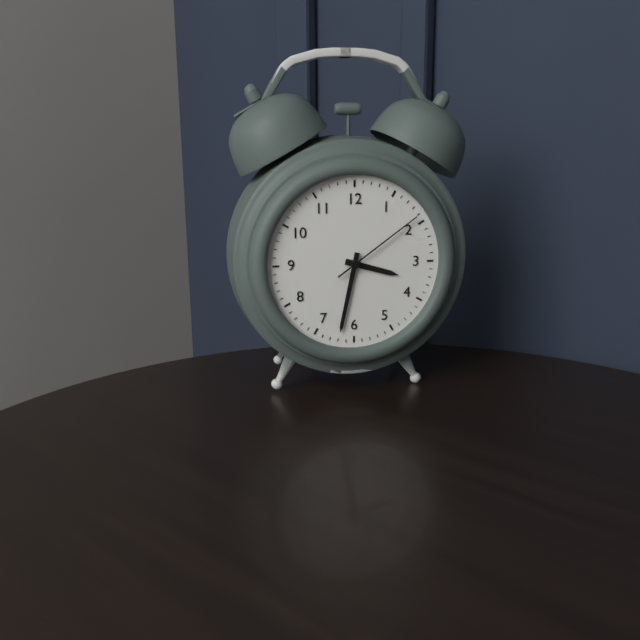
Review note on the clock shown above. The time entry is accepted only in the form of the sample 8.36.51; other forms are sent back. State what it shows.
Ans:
3.32.09
